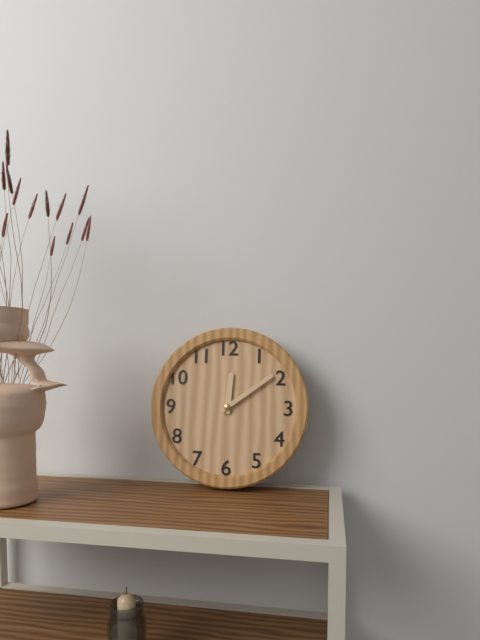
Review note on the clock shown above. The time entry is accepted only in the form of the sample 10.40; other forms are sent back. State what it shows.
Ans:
12.09
